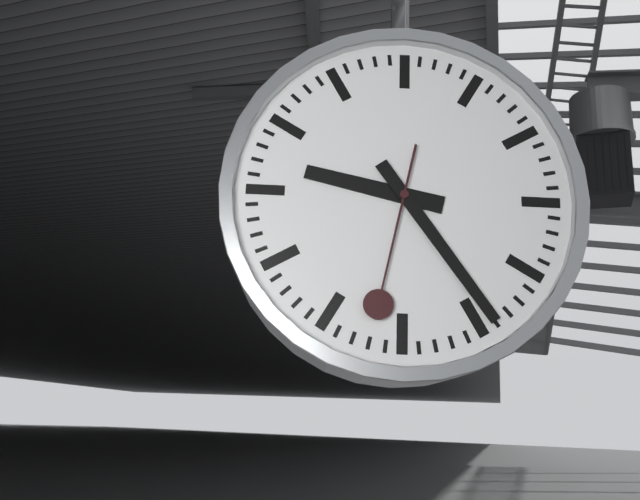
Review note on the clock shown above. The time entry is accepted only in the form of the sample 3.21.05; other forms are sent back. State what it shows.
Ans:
9.24.32
